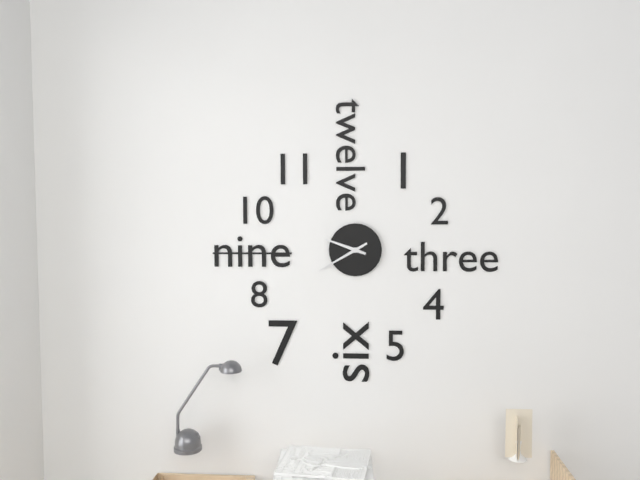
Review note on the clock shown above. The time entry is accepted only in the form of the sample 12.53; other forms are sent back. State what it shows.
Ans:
9.40
